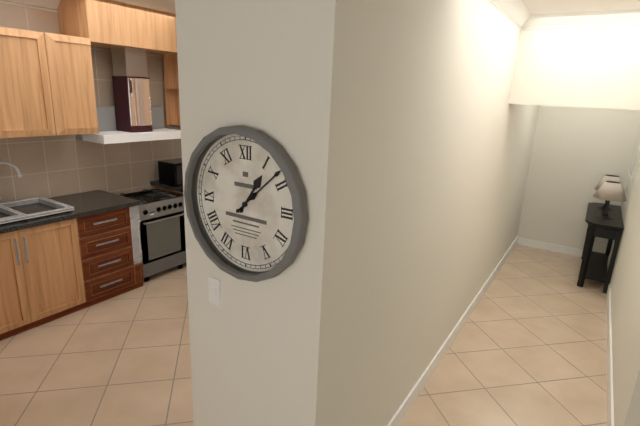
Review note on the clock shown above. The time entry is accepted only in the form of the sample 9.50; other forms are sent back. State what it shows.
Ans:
1.08
